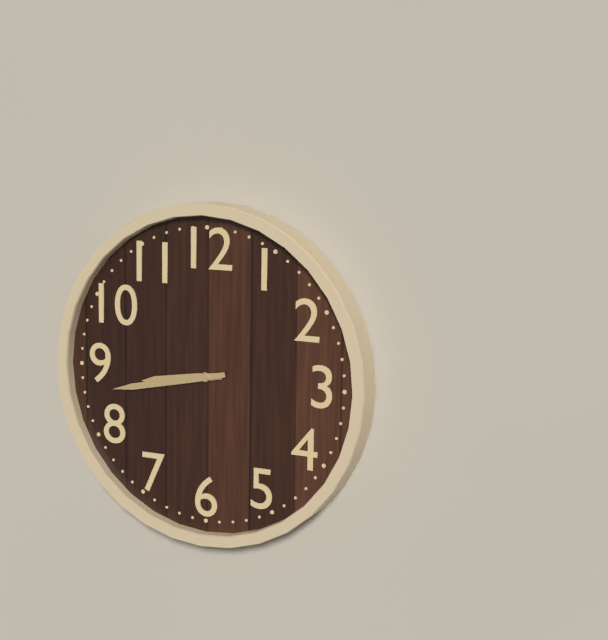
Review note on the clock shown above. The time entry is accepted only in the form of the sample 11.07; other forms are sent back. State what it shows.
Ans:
8.43
